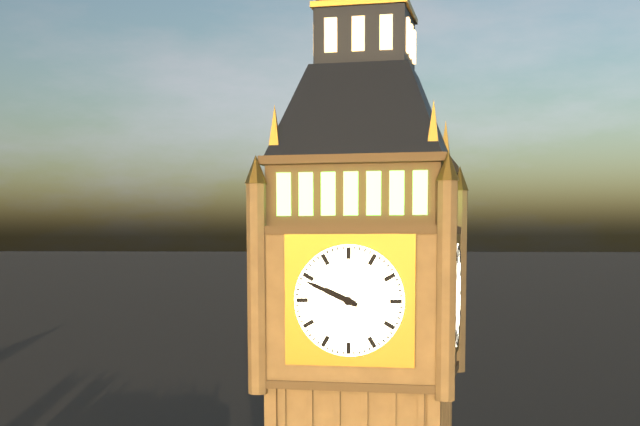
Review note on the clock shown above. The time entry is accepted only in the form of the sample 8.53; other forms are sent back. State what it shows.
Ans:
9.49
